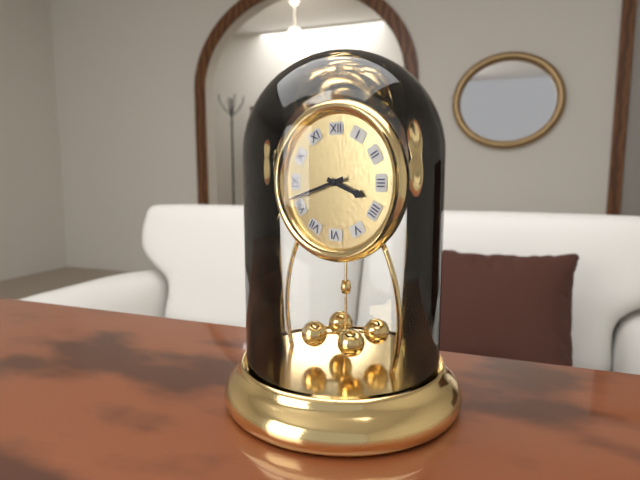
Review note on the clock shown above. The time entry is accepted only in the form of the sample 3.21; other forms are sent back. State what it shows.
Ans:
3.42
